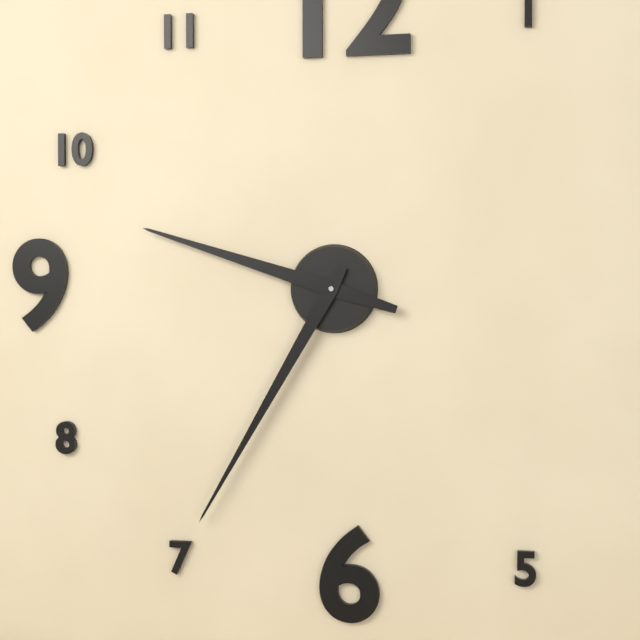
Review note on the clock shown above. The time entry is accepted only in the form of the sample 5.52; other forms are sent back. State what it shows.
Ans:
9.35
